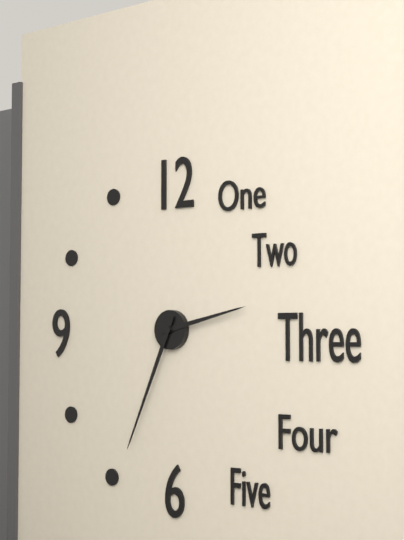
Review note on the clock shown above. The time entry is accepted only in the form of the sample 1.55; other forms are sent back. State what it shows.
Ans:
2.34
